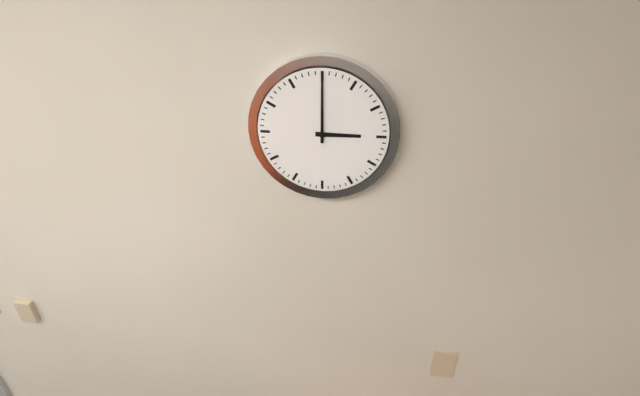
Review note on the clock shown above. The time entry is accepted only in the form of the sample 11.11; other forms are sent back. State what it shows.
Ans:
3.00
